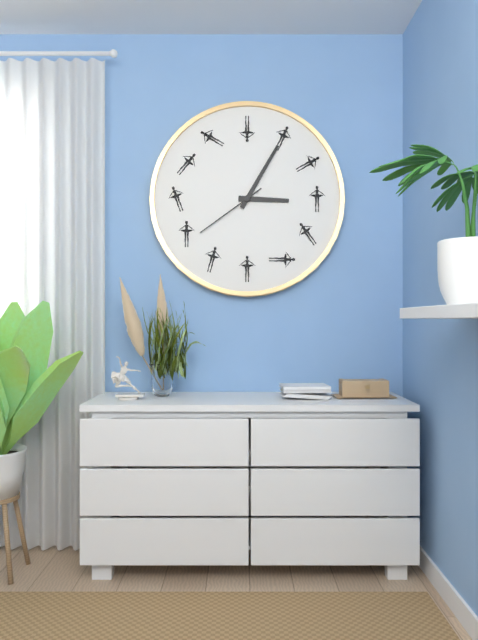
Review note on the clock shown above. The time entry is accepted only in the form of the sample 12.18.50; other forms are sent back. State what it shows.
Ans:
3.05.39
